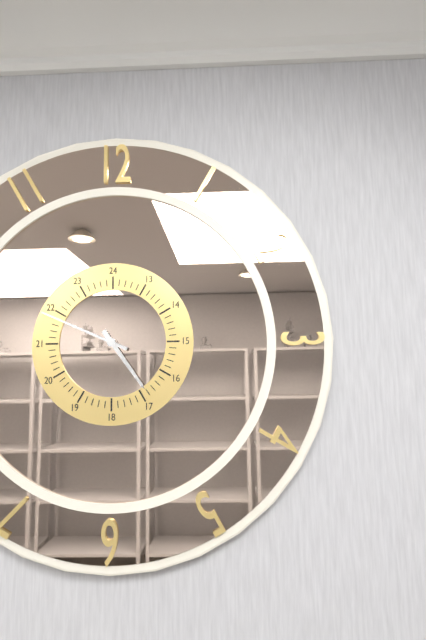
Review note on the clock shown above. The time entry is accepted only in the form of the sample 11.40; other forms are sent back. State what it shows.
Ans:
4.49
